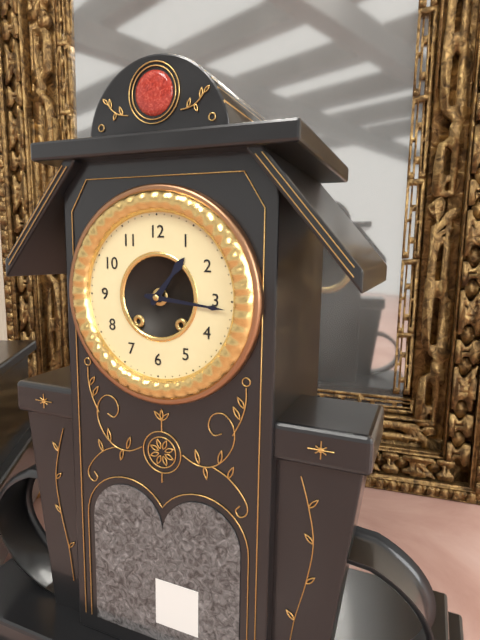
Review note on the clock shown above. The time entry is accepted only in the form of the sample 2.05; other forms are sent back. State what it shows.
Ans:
1.16
